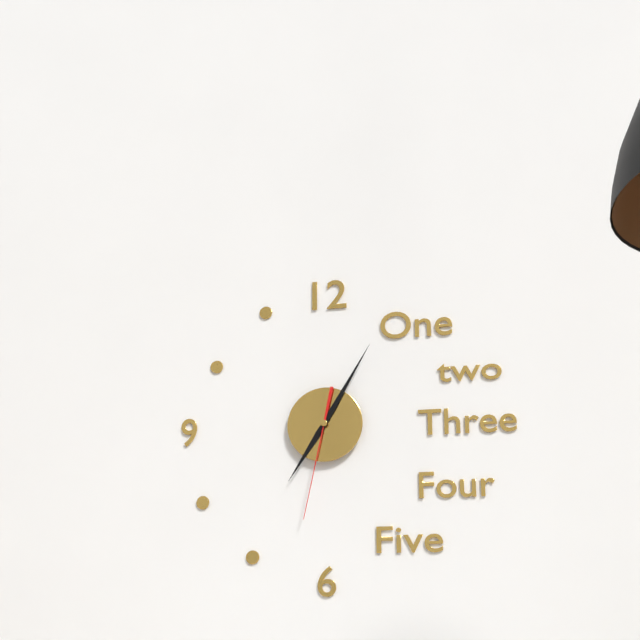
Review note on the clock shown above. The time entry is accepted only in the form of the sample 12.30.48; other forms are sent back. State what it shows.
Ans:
7.05.32
